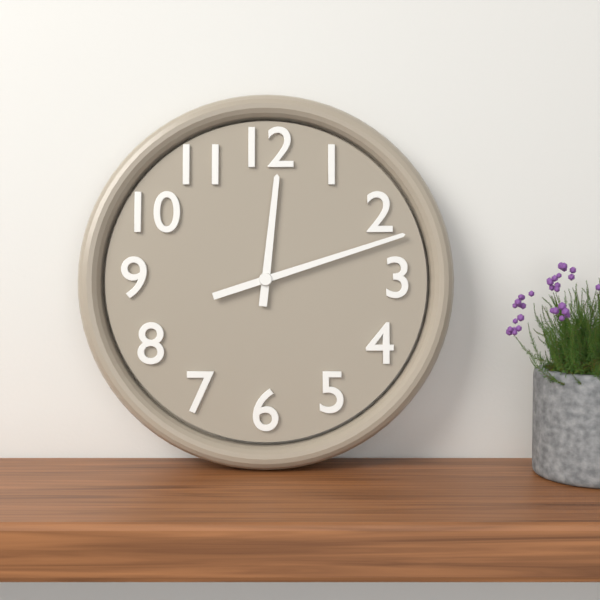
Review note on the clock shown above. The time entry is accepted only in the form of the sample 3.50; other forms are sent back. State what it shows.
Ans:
12.12
